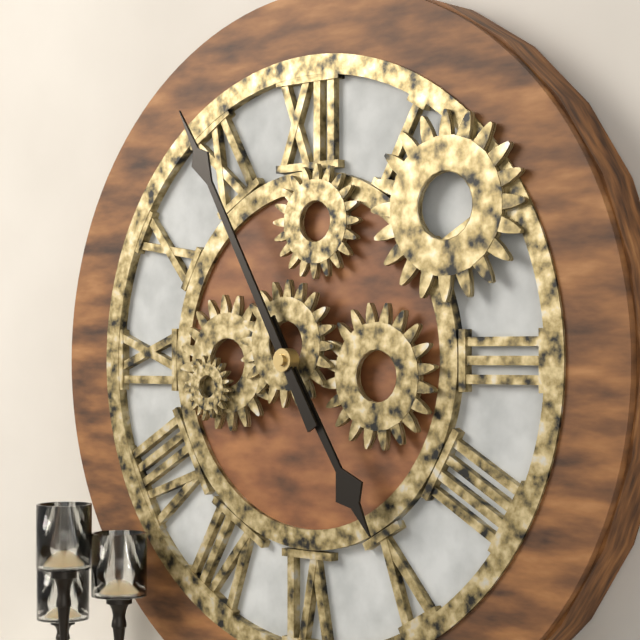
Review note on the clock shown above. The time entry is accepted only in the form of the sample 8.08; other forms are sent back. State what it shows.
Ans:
4.55
